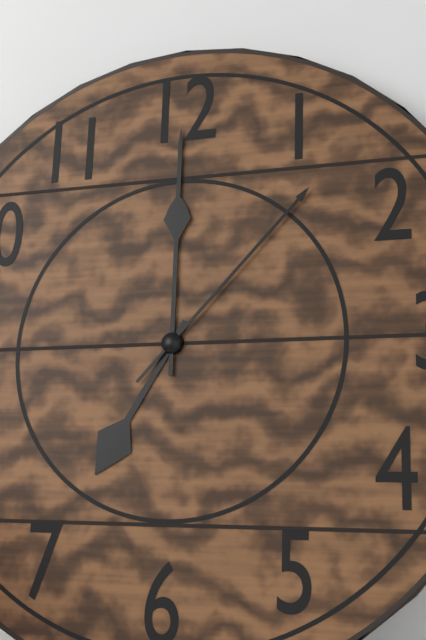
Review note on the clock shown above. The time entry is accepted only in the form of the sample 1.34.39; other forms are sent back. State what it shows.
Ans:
7.00.07
